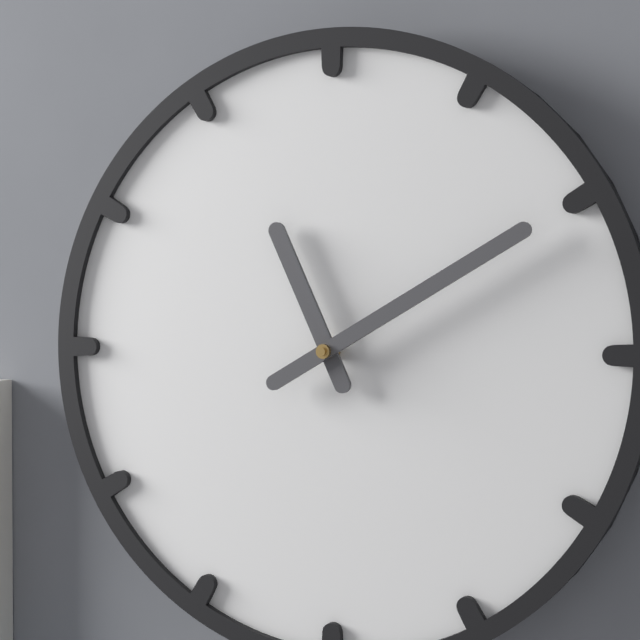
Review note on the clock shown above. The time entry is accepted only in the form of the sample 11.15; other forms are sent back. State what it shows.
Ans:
11.10
